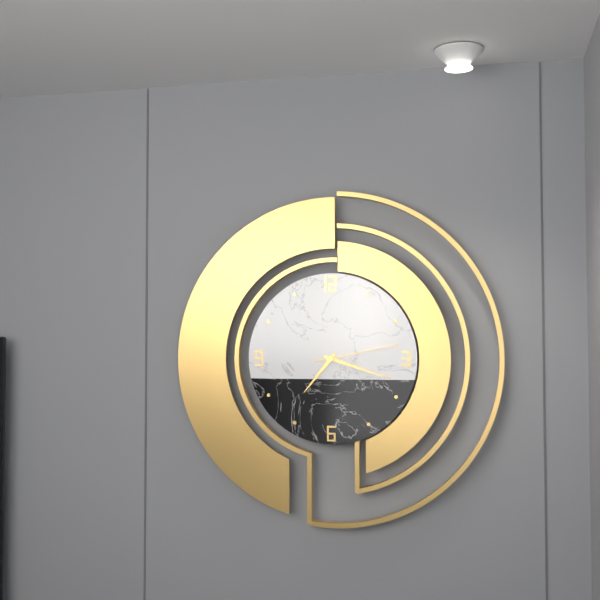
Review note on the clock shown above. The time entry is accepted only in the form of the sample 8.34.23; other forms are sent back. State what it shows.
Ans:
7.18.13
